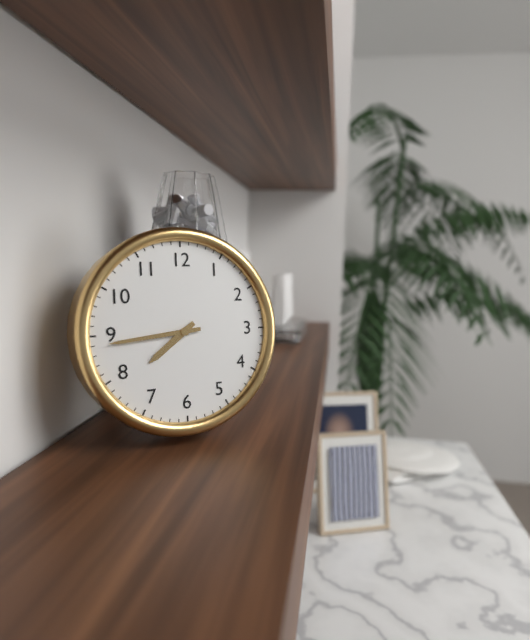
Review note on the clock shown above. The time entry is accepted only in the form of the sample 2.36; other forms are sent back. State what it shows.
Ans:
7.44
